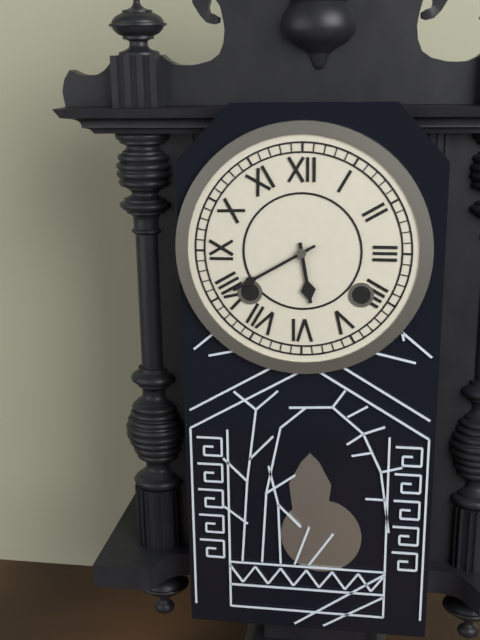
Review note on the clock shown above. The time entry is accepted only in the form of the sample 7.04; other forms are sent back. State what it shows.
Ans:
5.40
